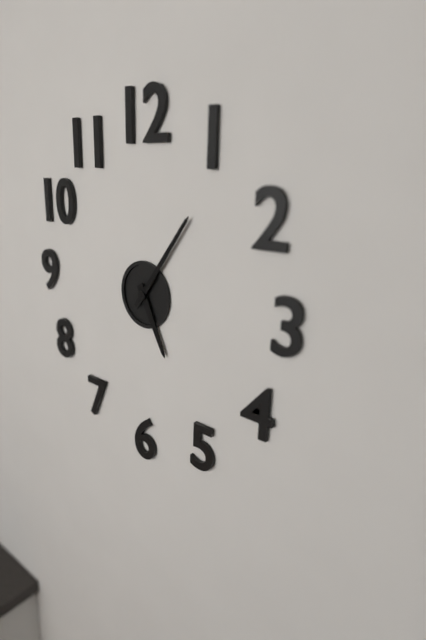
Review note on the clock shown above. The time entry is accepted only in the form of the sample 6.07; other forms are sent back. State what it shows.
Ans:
5.06
